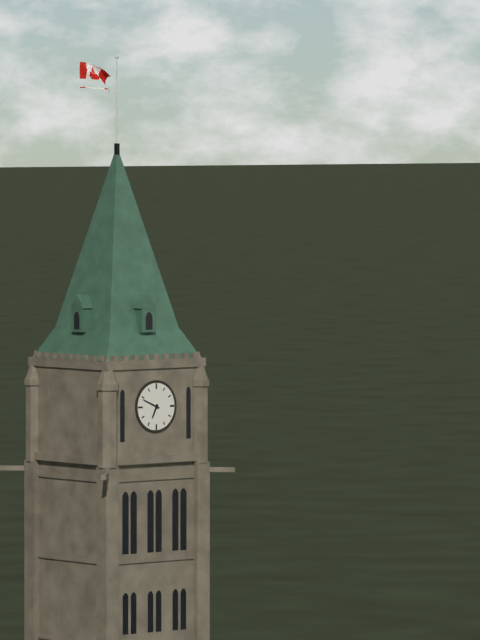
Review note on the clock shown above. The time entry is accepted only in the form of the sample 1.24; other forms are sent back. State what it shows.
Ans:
6.49
